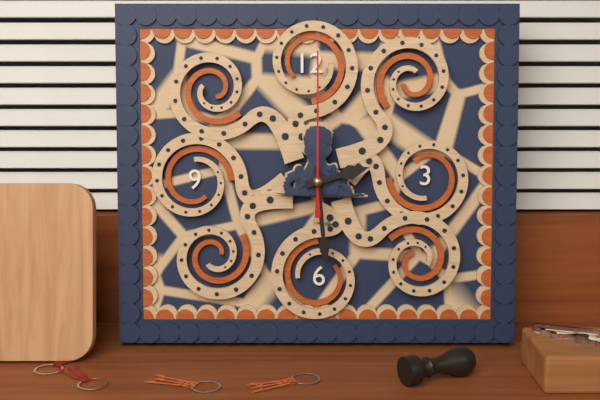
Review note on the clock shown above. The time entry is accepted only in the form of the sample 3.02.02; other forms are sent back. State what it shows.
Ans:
2.29.00
